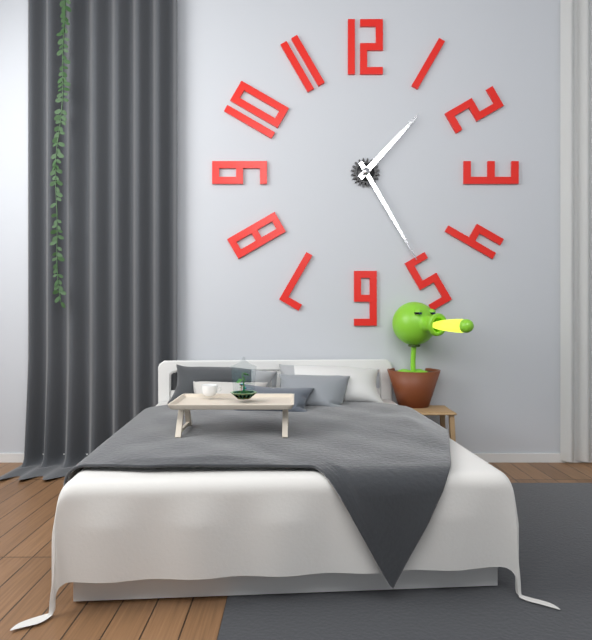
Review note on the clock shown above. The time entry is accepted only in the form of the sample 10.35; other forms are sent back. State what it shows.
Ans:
1.25
